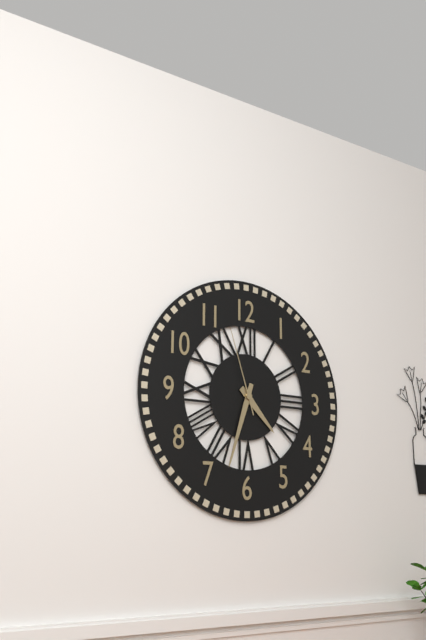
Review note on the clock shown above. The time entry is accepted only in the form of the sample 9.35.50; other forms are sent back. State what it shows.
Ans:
4.33.57
